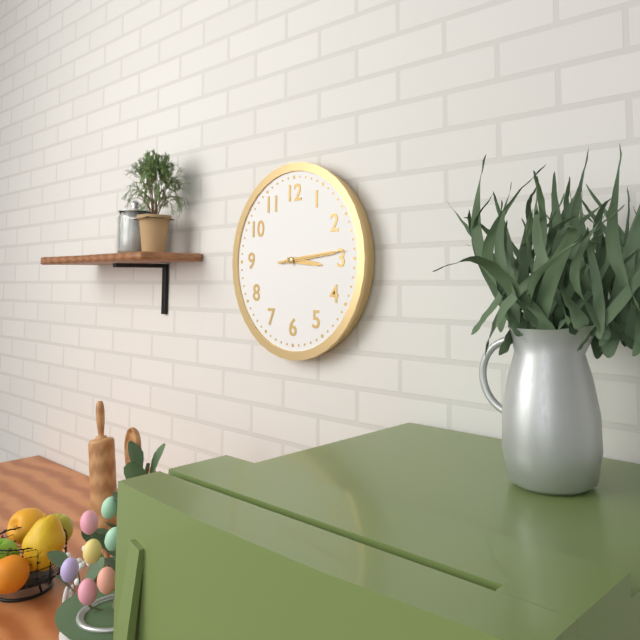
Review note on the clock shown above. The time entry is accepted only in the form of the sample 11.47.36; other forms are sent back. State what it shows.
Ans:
3.14.14
